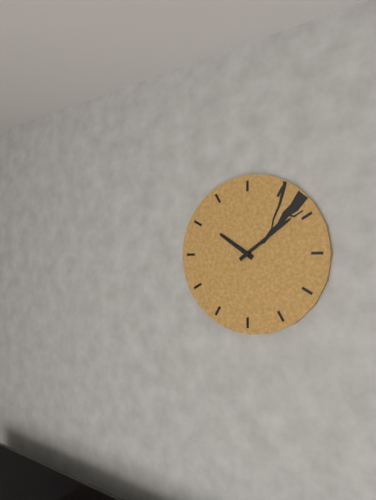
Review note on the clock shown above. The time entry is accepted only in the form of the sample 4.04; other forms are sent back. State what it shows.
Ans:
10.09
